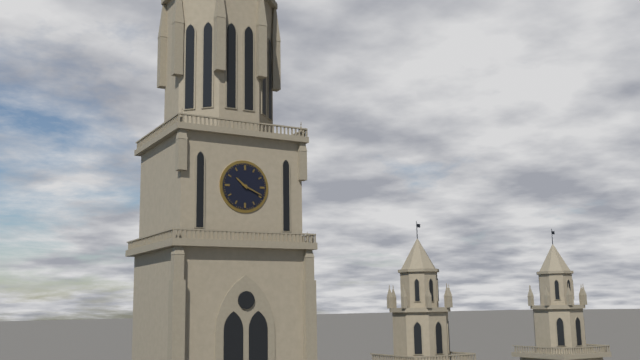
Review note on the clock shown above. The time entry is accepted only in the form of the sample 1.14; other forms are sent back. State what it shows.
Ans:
10.19
